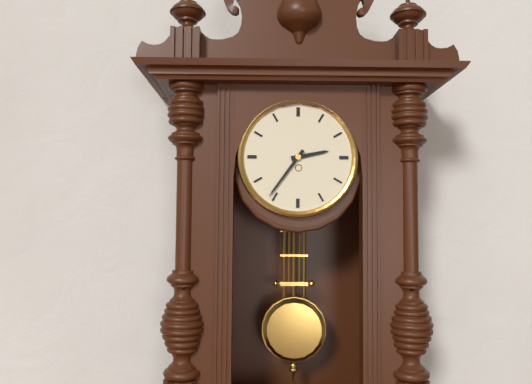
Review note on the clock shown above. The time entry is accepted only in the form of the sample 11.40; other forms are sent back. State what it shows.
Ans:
2.36
